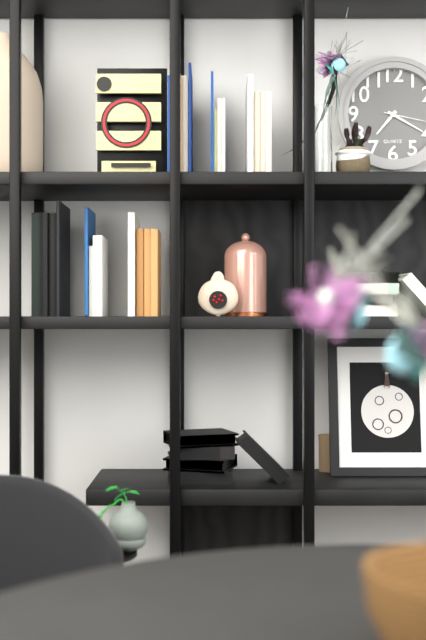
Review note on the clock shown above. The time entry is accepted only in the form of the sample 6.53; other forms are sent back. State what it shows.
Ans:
7.20
